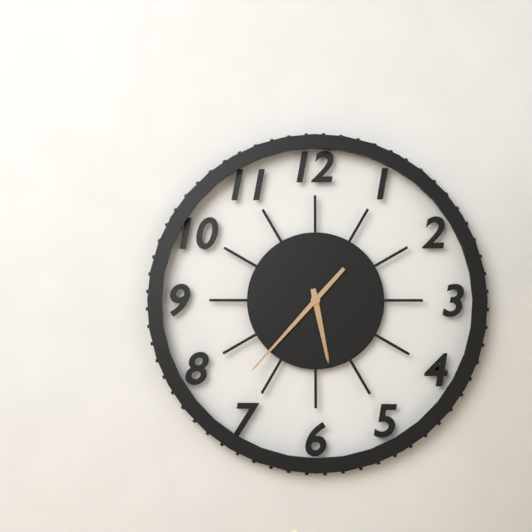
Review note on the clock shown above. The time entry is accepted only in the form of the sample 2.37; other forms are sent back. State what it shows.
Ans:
5.37
